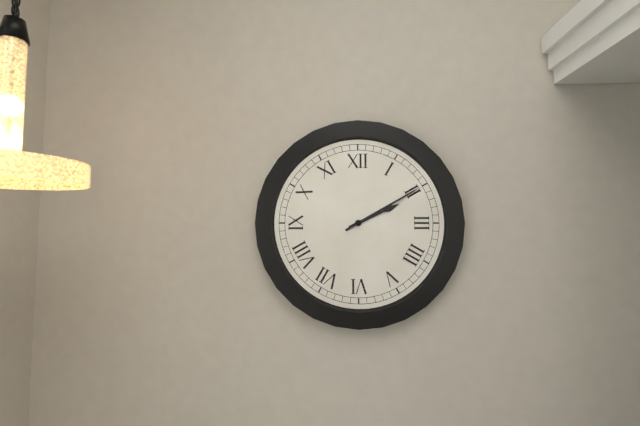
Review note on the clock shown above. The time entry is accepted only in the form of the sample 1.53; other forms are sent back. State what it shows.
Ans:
2.10
